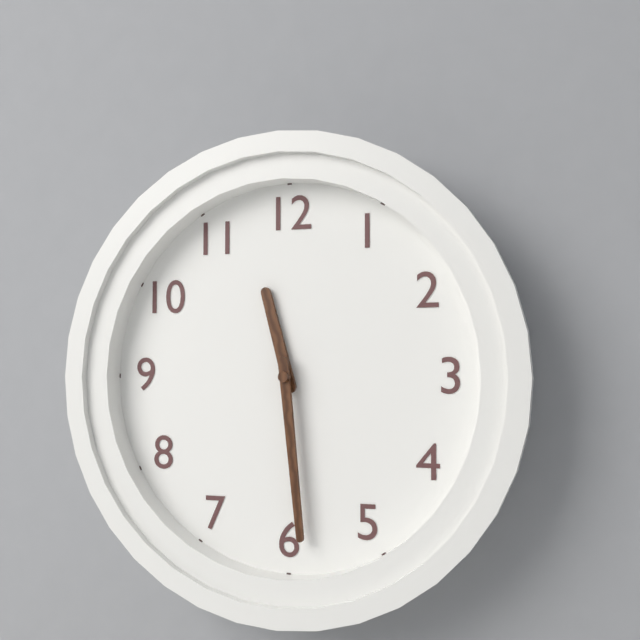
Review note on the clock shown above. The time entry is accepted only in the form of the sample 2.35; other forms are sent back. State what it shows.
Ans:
11.29
